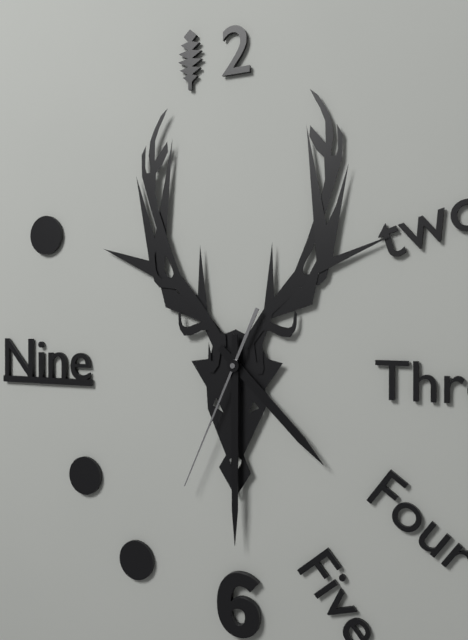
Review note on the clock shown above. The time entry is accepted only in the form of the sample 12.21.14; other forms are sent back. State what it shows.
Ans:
4.30.34
